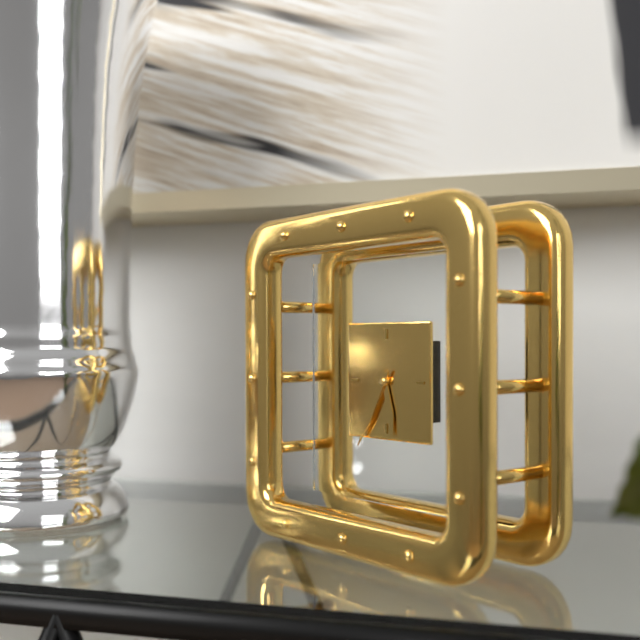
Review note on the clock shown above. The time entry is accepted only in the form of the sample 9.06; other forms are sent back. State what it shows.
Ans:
5.35
